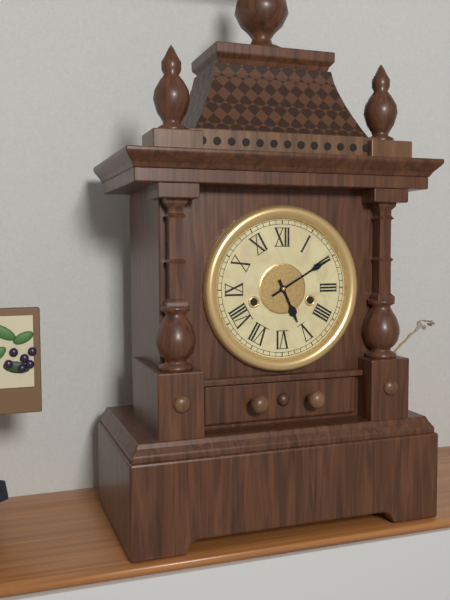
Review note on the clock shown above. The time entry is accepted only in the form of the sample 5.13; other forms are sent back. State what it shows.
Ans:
5.10
